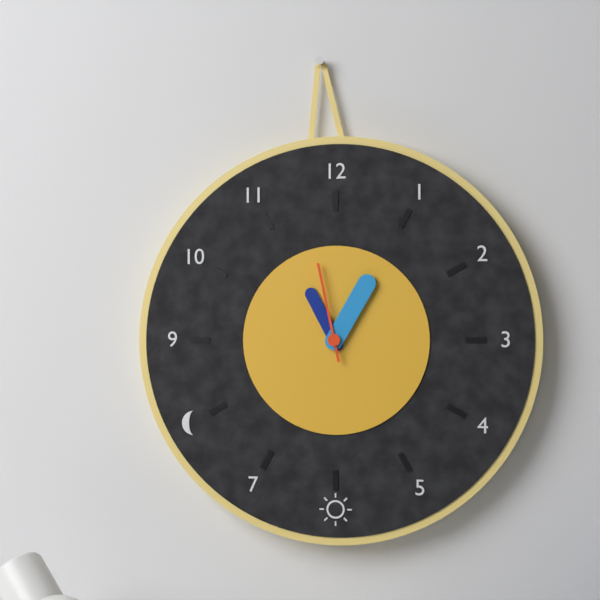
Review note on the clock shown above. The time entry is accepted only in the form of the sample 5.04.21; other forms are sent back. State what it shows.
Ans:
11.05.58
